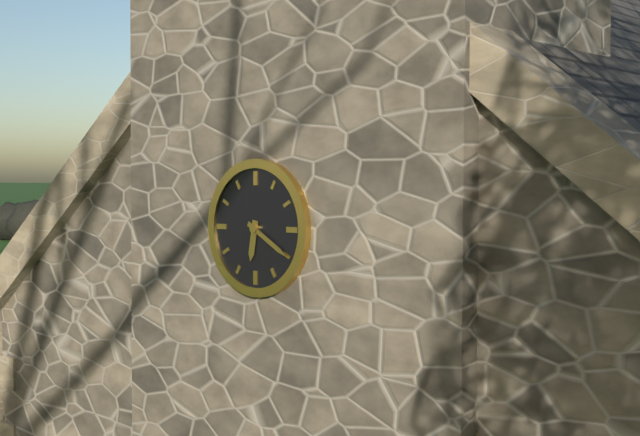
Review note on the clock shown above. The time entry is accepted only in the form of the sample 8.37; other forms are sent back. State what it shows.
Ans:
6.20
